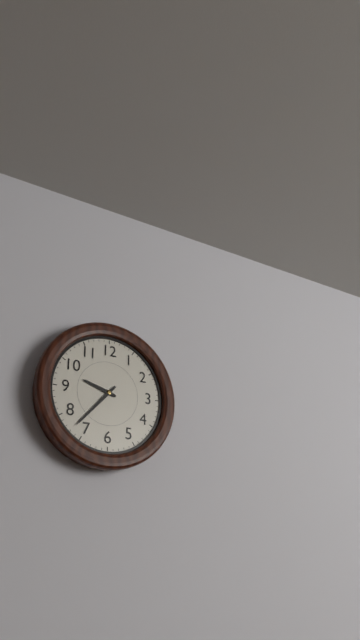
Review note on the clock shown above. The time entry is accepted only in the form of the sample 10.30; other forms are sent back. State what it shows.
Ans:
9.37
